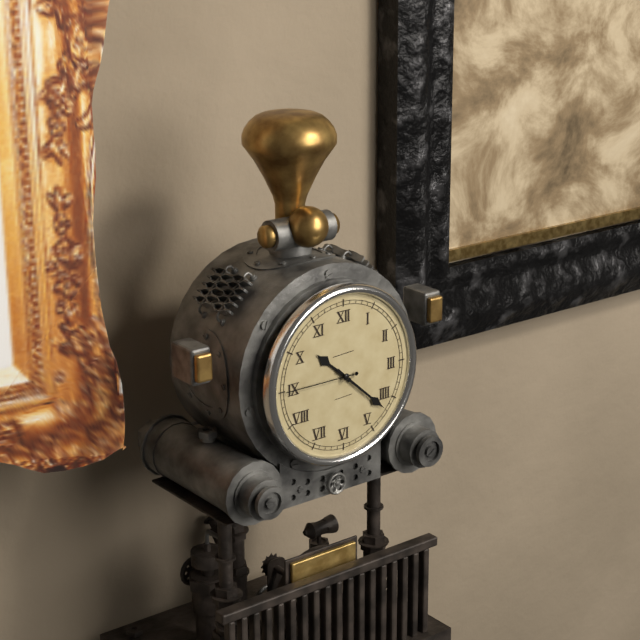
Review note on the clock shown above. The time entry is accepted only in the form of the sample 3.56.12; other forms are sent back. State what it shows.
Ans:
10.22.45
